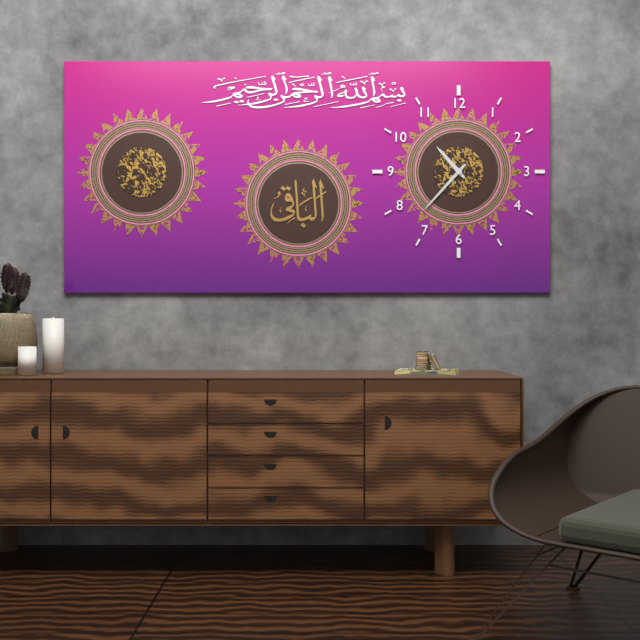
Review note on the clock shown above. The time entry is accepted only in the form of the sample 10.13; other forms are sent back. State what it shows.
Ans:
10.37
